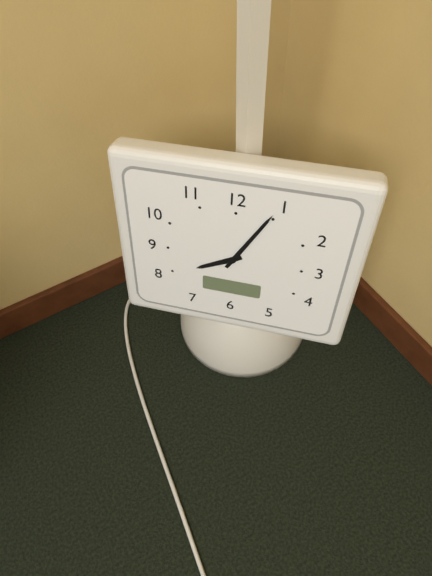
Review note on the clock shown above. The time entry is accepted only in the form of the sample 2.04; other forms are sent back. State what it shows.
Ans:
8.05
